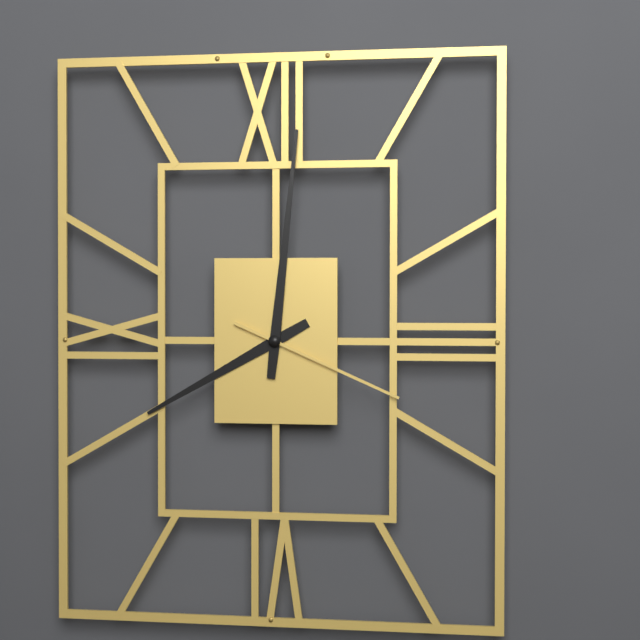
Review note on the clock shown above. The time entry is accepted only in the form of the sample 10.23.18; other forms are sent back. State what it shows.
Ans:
8.01.19
